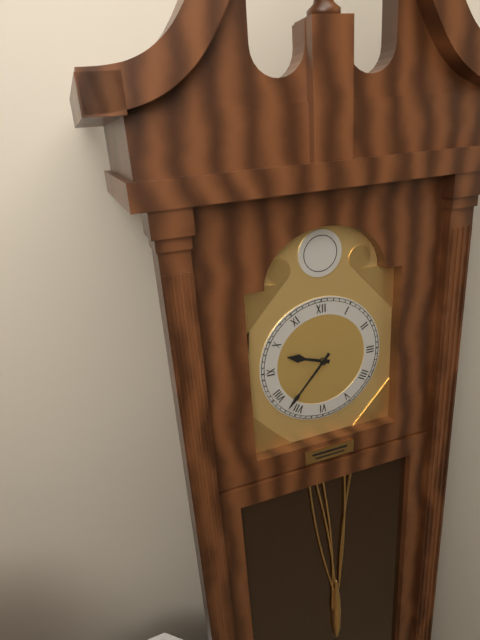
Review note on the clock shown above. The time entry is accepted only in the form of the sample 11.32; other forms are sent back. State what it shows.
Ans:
9.37
